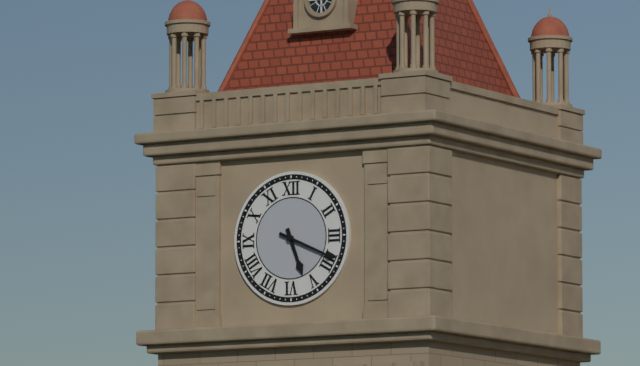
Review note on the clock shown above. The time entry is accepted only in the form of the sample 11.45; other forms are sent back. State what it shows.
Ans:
5.19
